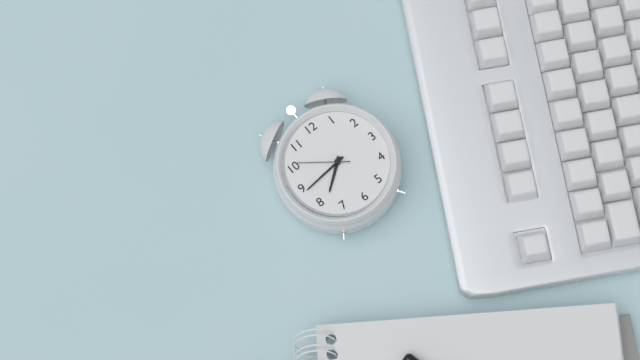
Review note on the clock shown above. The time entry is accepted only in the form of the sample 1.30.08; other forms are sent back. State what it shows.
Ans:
7.44.51
